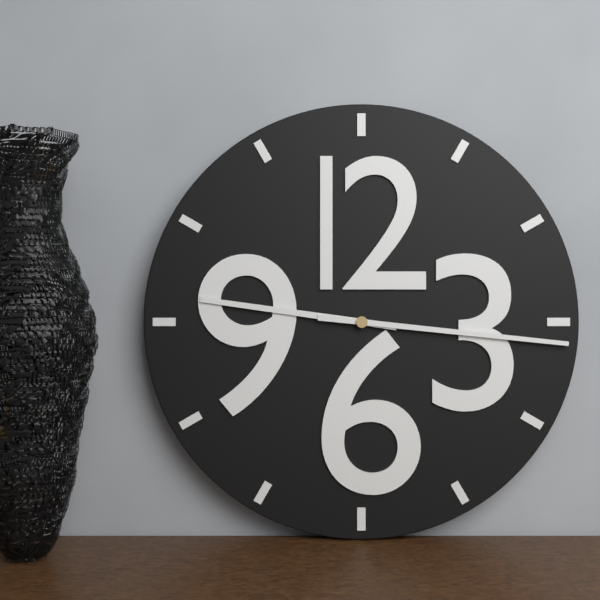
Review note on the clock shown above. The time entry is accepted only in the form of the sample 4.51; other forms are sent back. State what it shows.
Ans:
9.16
